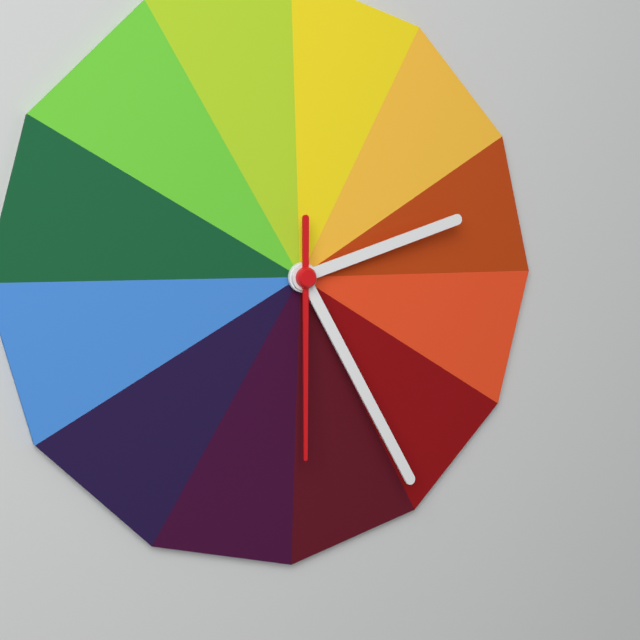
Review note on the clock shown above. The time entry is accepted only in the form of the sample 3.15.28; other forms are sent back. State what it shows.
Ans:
2.25.30
